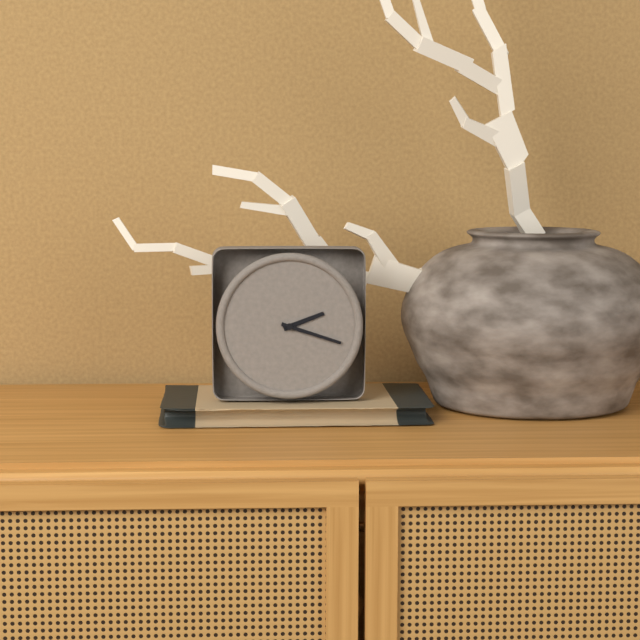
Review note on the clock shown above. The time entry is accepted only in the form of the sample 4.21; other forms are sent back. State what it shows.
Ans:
2.18
